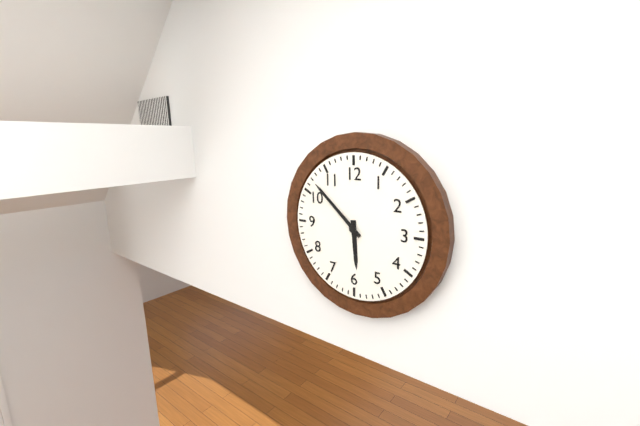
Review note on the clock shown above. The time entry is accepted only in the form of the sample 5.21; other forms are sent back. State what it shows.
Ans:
5.52
